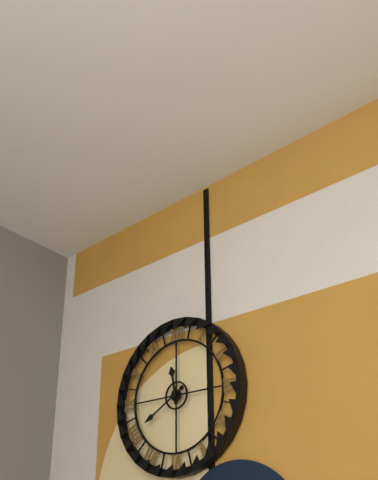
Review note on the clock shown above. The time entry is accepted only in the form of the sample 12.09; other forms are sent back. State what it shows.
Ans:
11.40
